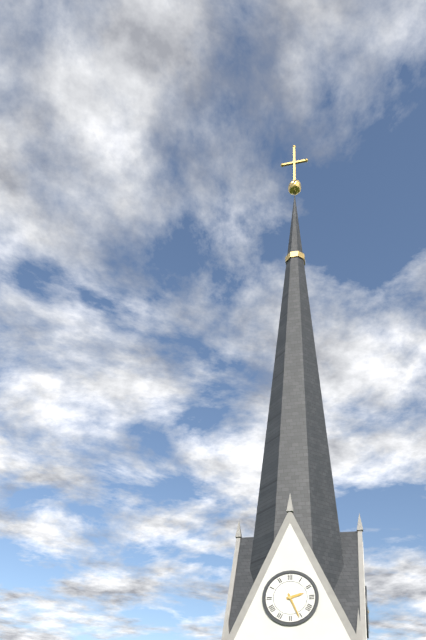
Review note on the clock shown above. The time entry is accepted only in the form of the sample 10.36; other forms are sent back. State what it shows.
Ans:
2.26
